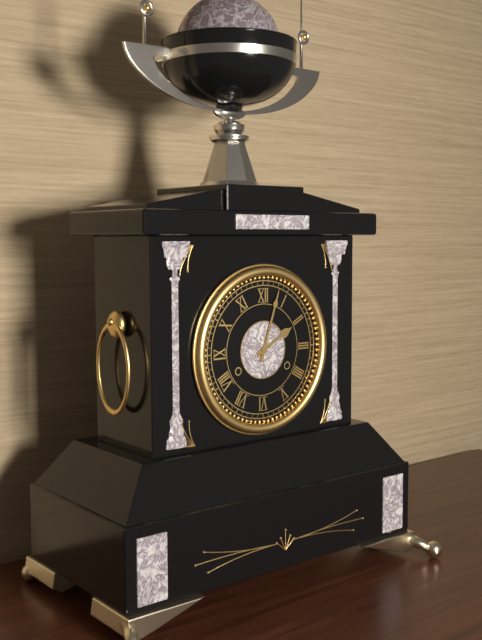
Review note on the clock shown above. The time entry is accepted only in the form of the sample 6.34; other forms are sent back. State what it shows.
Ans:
2.03
